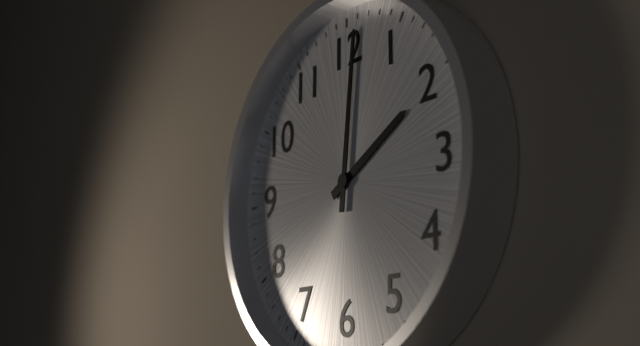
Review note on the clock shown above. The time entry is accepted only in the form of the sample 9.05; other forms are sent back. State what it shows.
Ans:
2.01
